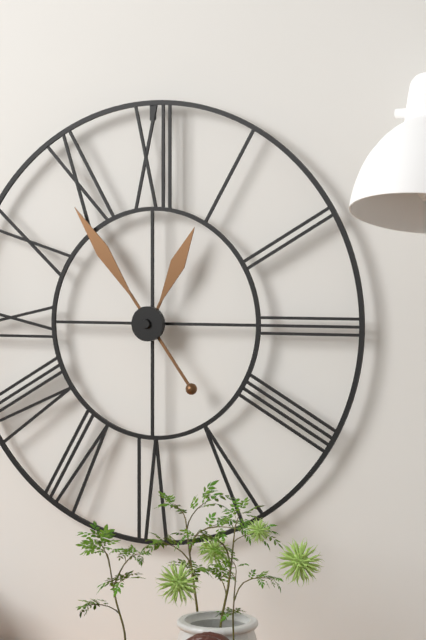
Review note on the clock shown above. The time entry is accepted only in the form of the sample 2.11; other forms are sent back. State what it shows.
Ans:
12.54
